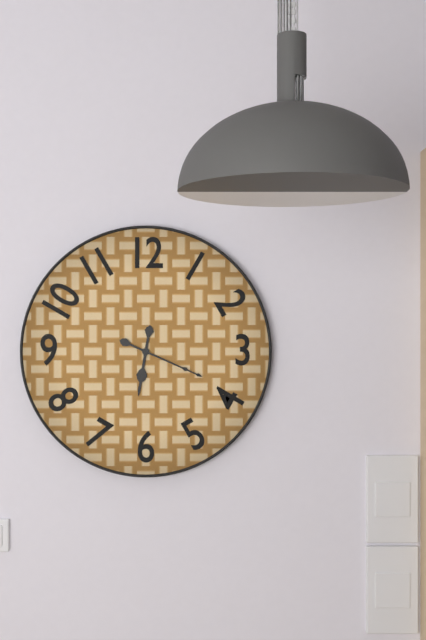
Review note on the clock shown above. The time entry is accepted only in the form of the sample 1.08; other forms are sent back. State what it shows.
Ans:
6.19
